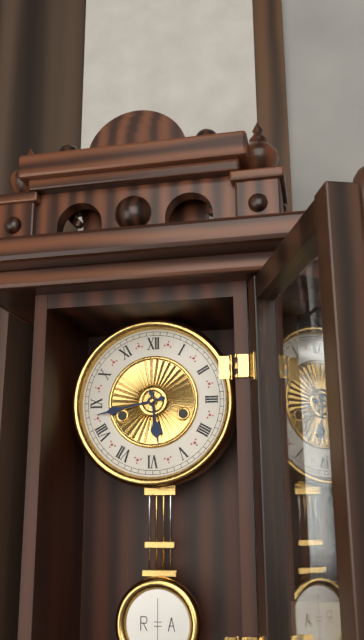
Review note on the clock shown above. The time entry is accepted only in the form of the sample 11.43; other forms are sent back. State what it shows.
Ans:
5.43
